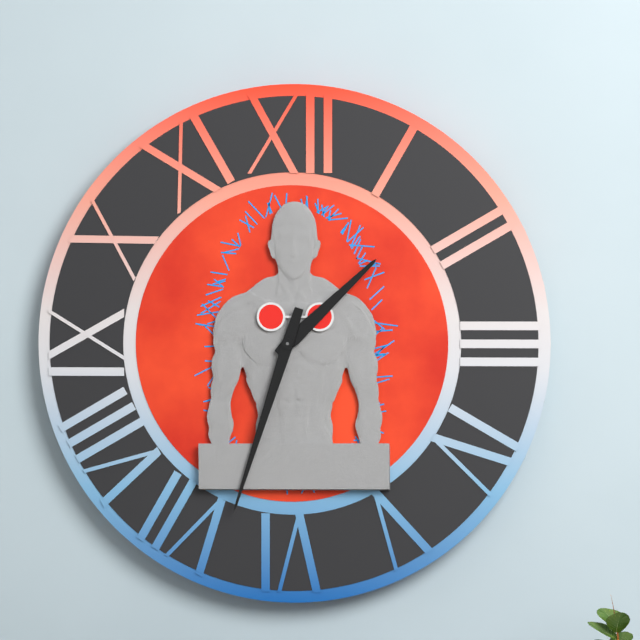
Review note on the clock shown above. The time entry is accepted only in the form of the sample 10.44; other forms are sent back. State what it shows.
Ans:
1.33
